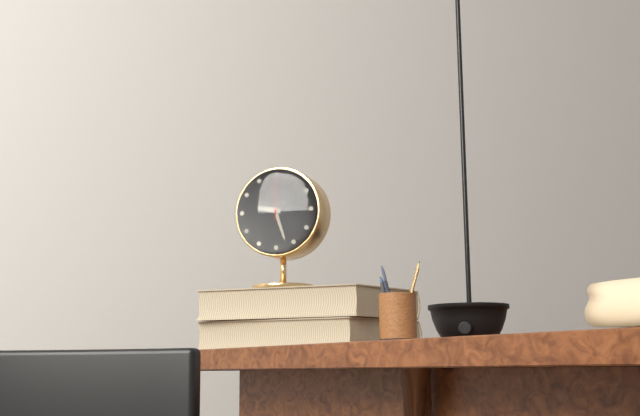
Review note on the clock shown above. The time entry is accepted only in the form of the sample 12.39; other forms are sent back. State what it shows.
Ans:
9.27
